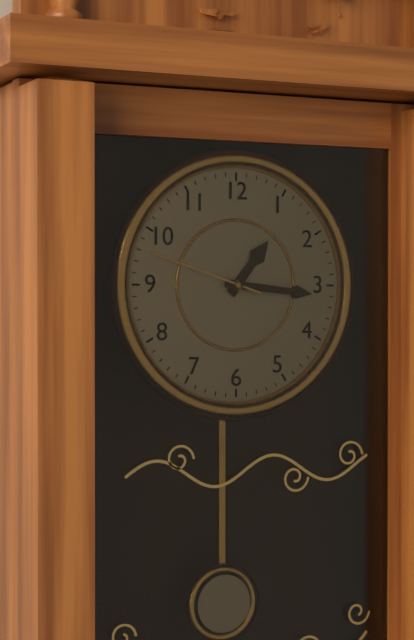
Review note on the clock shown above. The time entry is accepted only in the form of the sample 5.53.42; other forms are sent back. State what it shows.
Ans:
1.16.48
